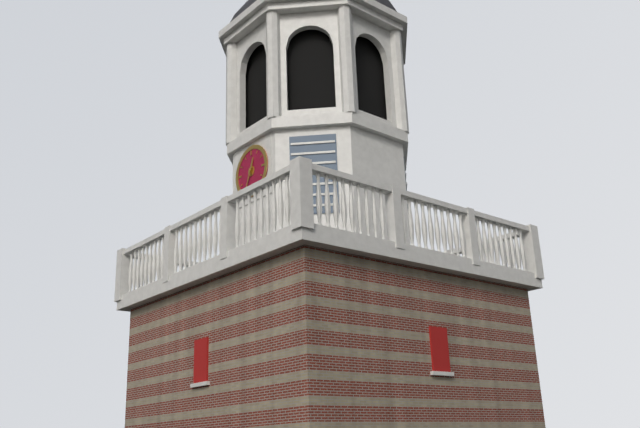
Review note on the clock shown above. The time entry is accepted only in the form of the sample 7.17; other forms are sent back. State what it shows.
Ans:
12.34
